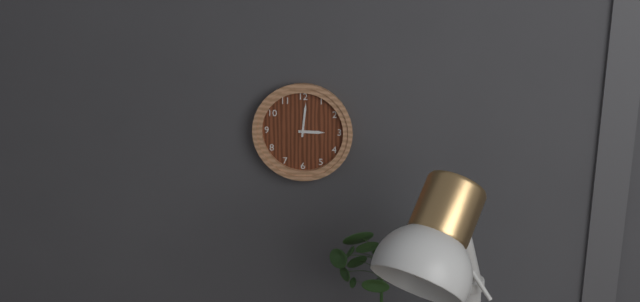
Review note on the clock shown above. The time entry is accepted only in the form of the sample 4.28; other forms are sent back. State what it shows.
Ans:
3.01
